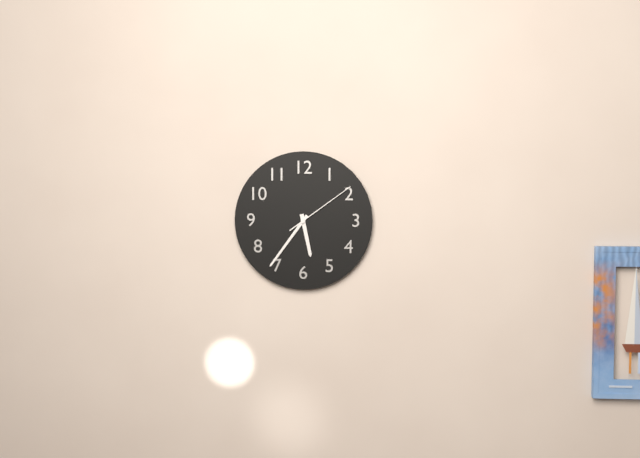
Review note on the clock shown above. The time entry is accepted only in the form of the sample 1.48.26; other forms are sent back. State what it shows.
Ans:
5.36.09
